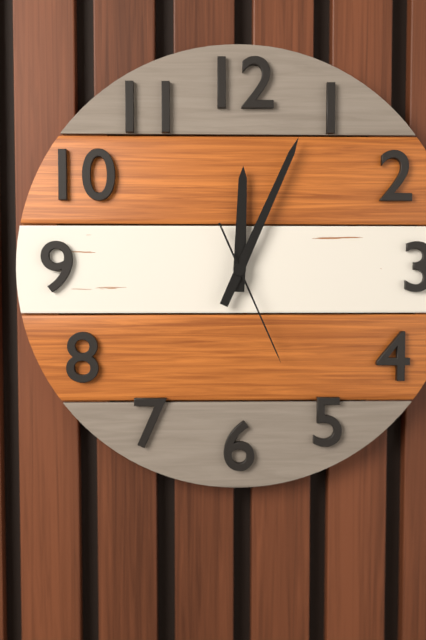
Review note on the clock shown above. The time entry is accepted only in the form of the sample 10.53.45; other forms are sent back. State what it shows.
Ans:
12.04.26
